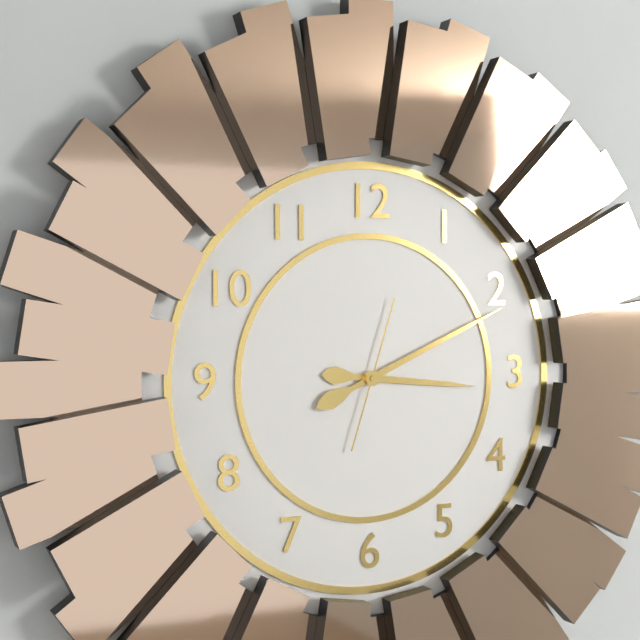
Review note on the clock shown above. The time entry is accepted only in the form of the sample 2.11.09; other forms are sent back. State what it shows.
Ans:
3.11.03
